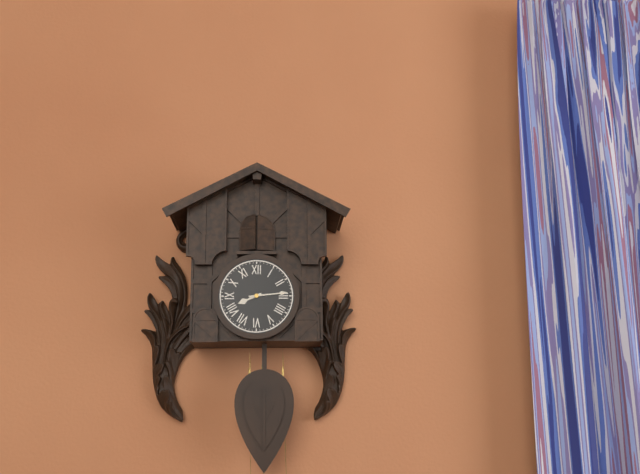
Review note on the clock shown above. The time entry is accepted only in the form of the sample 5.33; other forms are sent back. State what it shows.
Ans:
8.14
